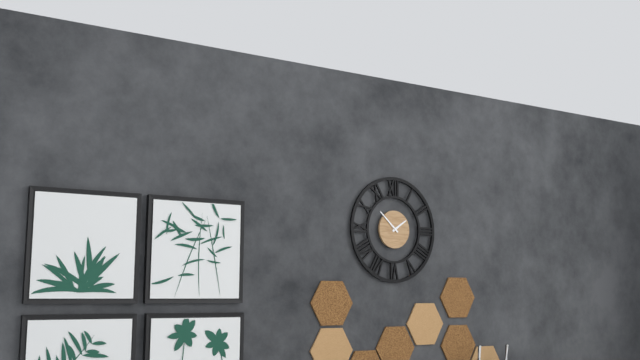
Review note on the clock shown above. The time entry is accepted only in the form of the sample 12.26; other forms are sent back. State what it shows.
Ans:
1.52
